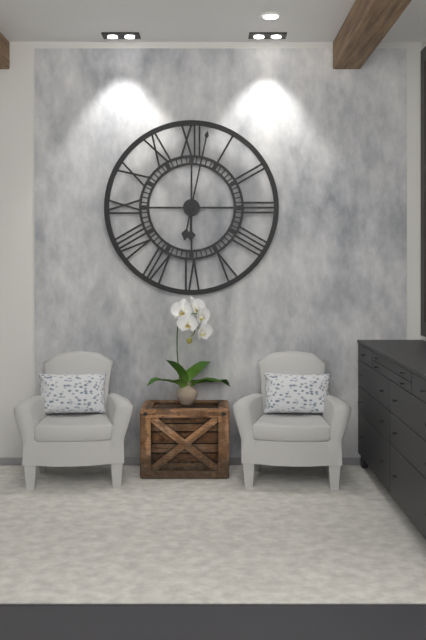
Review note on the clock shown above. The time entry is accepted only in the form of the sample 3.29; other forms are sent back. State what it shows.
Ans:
6.02
